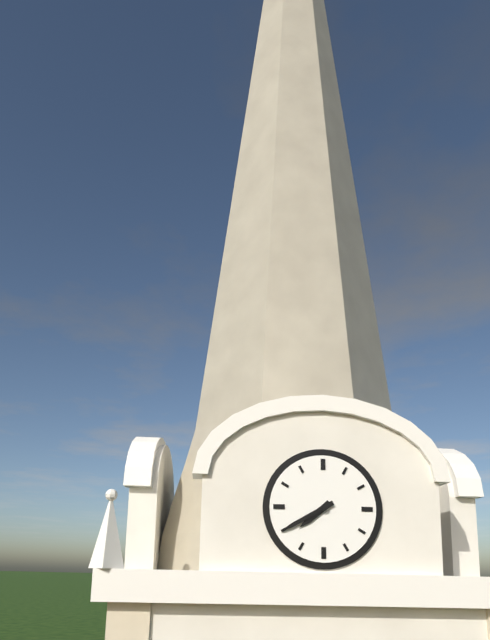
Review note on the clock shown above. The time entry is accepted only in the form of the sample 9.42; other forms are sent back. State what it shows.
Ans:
7.40
